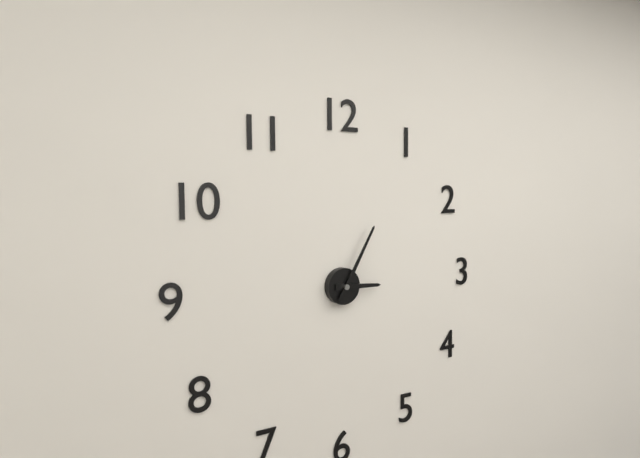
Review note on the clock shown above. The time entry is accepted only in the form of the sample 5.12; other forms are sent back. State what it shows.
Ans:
3.05
